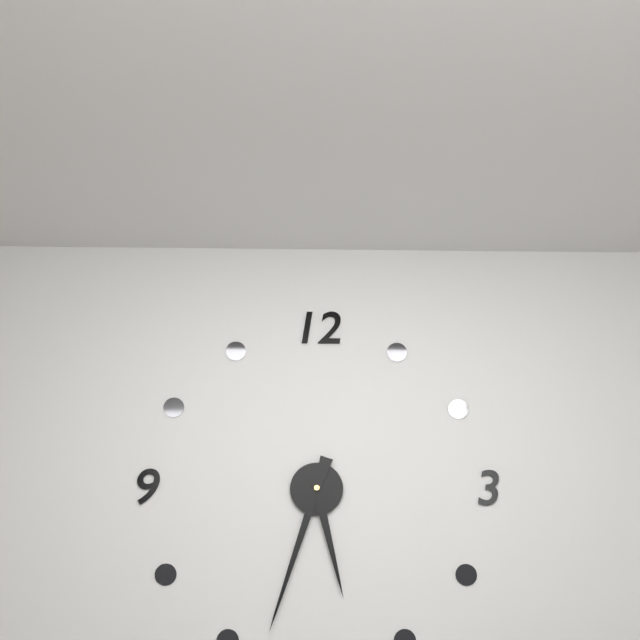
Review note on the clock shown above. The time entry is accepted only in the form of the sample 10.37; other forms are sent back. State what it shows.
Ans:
5.33
